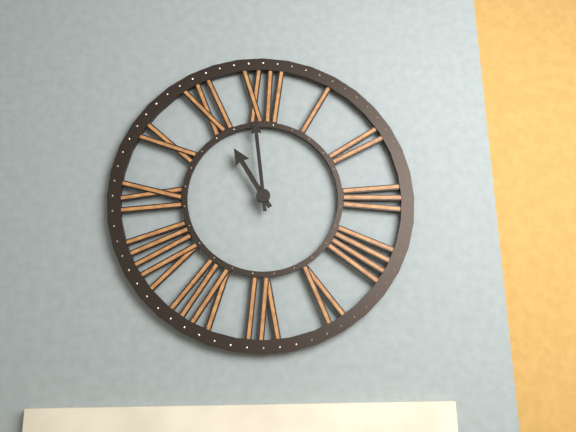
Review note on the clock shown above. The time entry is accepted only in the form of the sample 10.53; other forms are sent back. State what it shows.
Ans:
10.59
